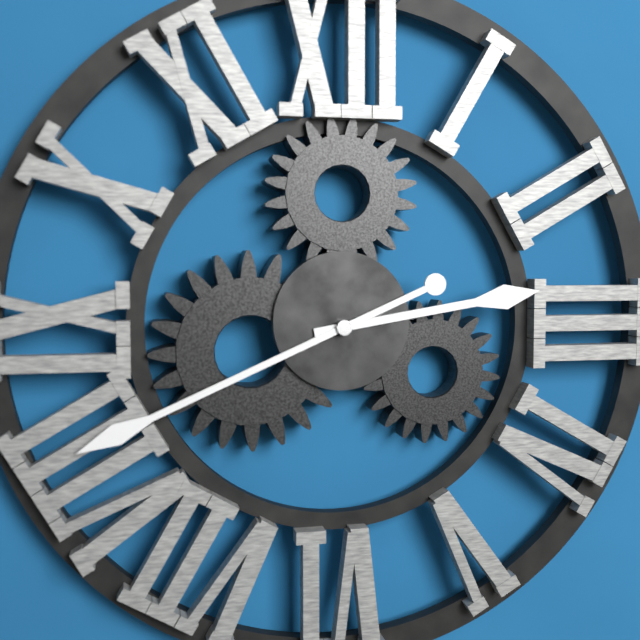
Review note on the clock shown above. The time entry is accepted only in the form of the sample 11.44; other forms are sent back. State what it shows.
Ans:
2.41
